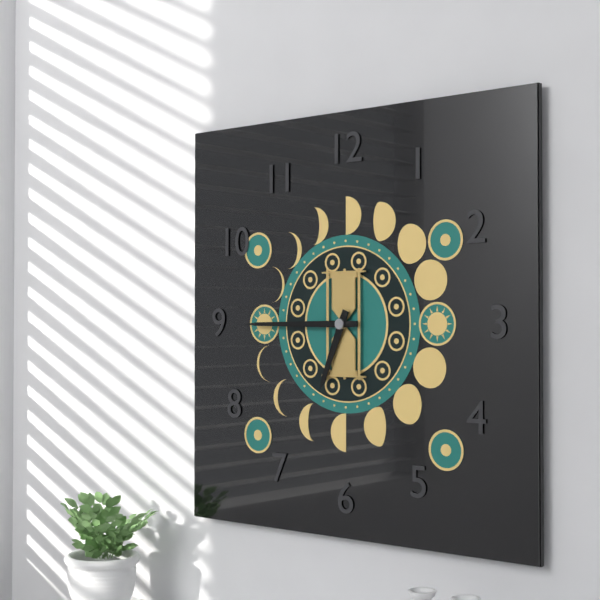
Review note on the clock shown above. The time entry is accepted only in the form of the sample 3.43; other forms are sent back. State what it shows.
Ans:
6.45
